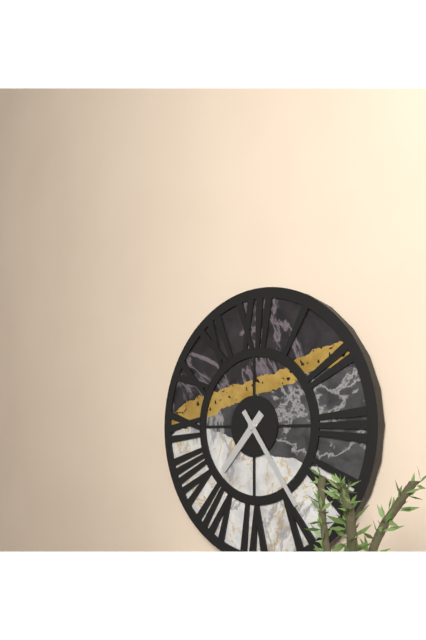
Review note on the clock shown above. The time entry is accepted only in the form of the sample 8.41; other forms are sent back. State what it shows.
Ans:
7.24
